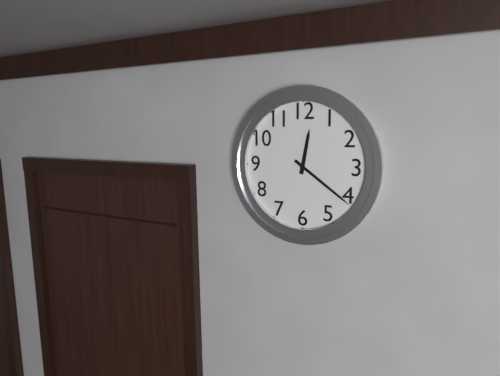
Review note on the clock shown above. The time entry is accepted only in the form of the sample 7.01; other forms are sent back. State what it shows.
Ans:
12.21
